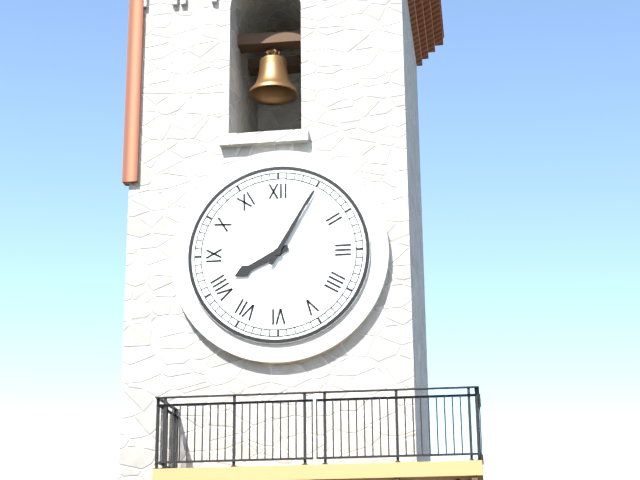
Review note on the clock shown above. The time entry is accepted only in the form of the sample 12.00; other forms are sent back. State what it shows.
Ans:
8.05
